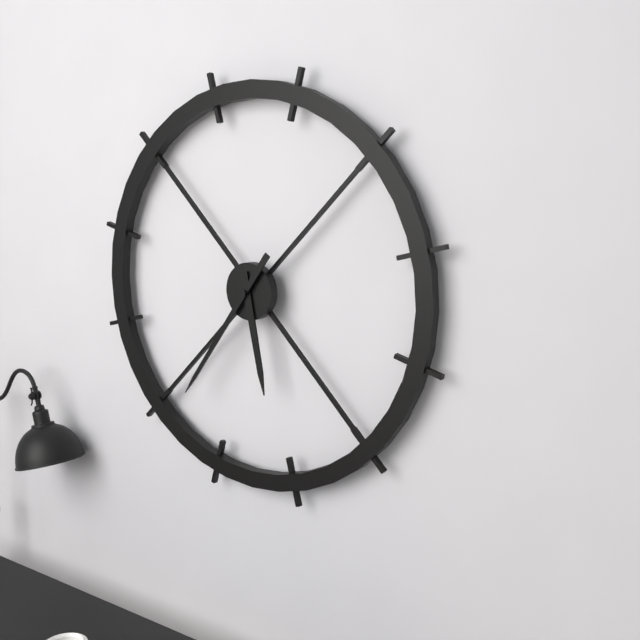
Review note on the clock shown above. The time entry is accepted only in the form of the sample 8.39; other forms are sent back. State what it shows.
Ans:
5.36
